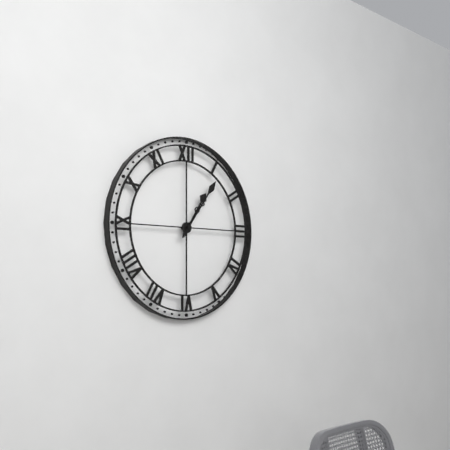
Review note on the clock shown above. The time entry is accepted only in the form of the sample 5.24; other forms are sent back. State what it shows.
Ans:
1.06
